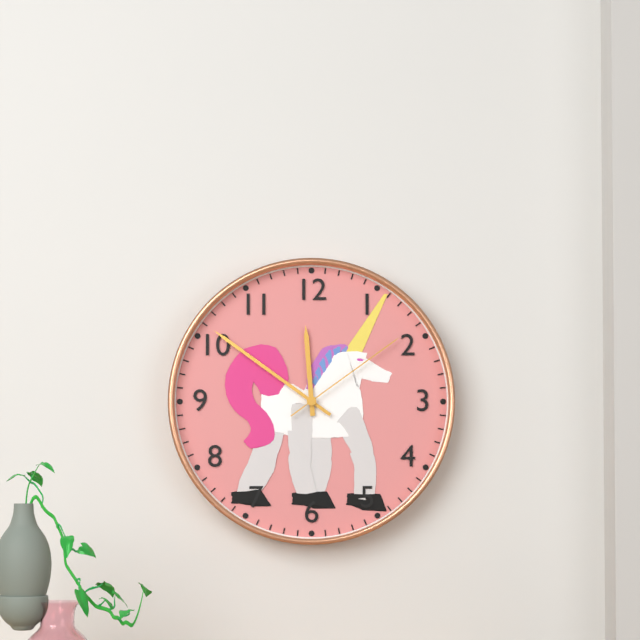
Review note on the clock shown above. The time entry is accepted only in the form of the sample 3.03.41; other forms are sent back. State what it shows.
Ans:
11.51.09
